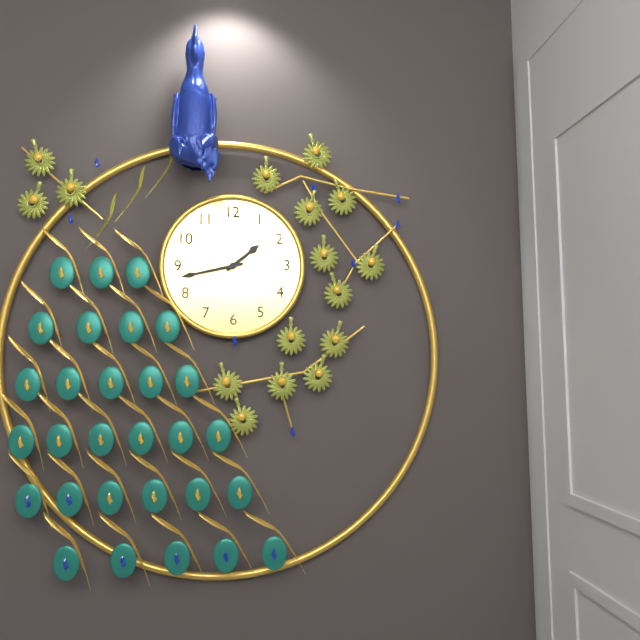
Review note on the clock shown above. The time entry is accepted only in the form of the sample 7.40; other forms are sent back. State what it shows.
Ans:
1.43
